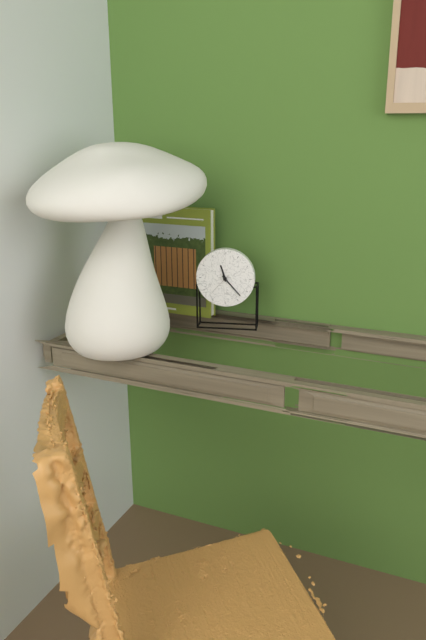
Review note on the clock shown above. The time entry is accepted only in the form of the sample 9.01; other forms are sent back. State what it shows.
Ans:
11.23
